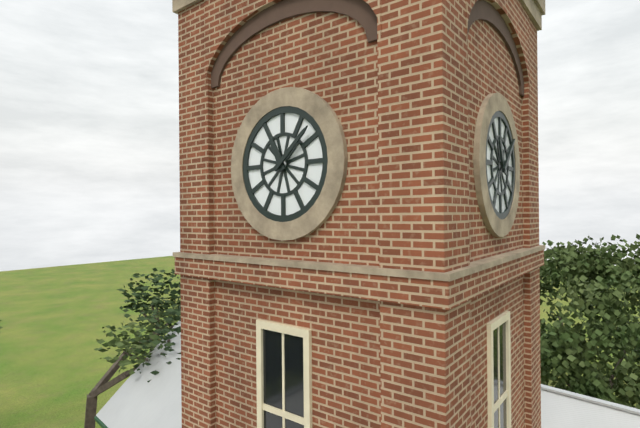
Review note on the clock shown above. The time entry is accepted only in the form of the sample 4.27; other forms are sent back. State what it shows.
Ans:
11.08
